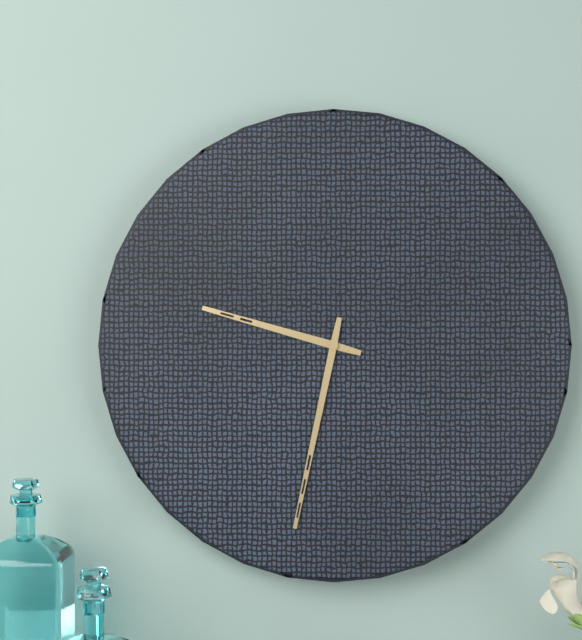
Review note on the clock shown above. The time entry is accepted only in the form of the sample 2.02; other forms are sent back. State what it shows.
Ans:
9.32
